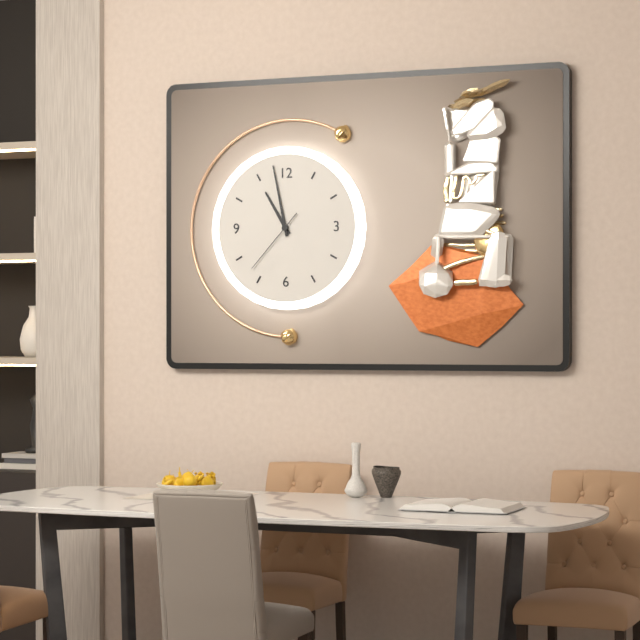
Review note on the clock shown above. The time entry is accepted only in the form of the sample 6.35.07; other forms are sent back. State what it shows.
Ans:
10.58.37
